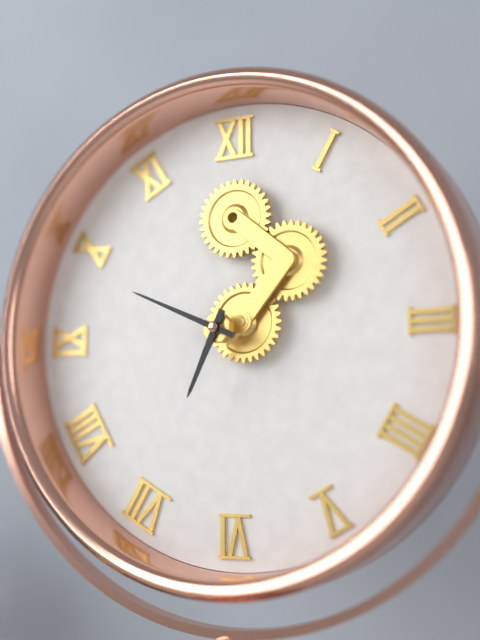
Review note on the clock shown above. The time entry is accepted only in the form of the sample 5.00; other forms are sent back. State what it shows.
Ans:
6.49
